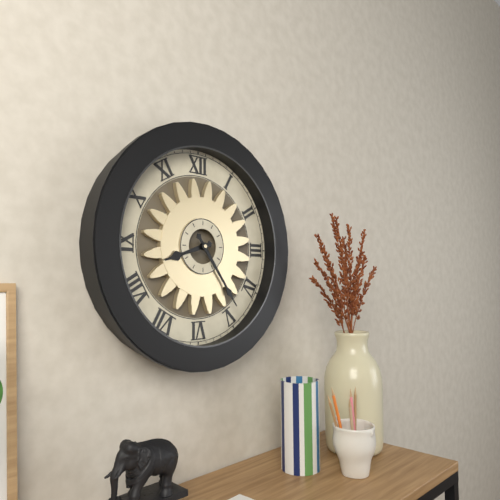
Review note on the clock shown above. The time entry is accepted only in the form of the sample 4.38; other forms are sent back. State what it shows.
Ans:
8.24
